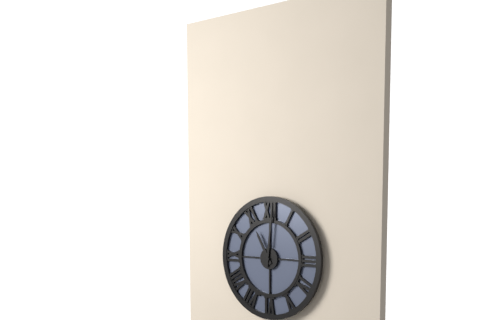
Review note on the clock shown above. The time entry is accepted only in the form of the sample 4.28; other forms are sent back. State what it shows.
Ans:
11.01
